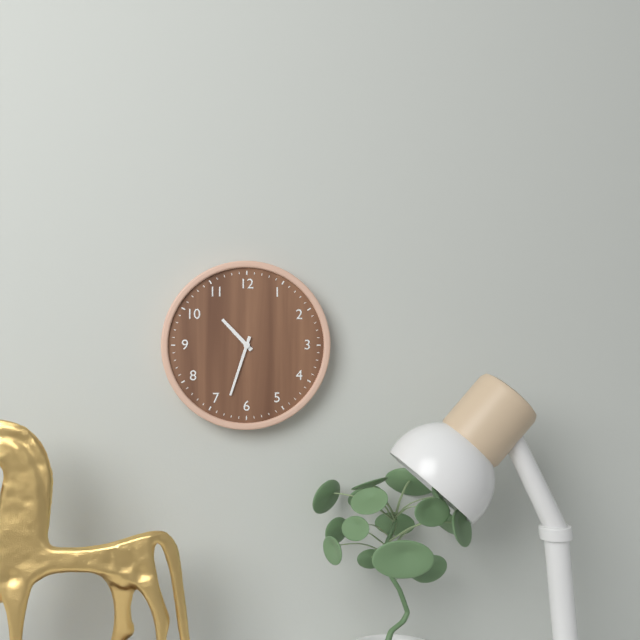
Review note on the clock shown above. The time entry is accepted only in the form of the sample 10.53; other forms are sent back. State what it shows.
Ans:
10.33
